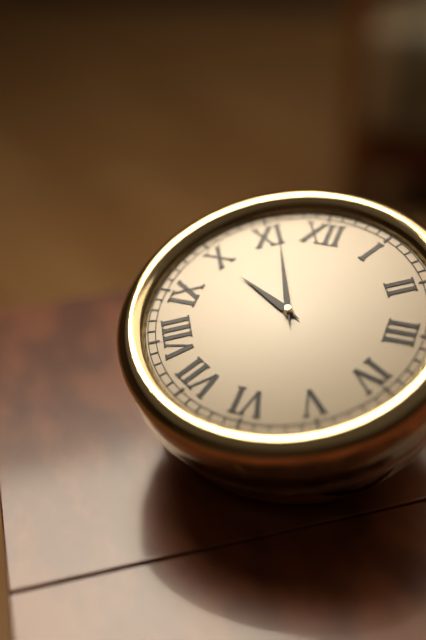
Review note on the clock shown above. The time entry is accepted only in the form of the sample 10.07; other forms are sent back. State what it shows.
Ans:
9.56
